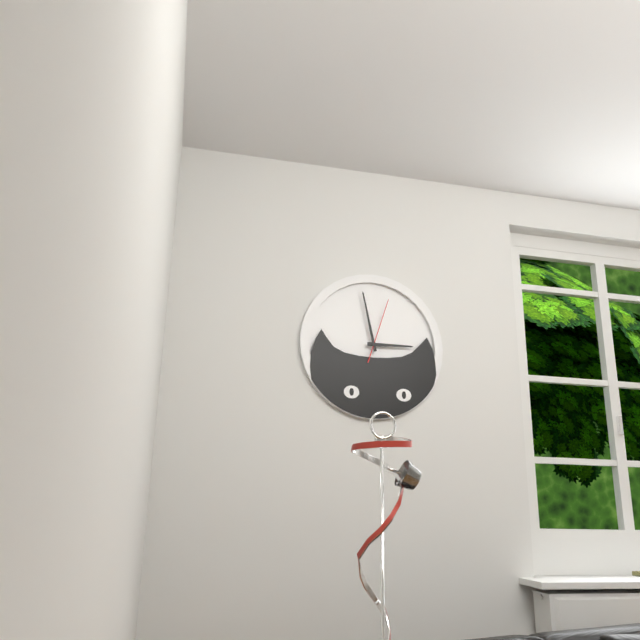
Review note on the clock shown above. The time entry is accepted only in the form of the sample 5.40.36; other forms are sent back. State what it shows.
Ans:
2.58.03
